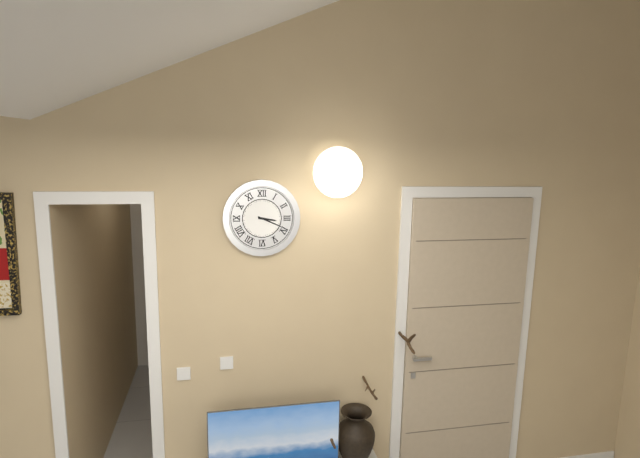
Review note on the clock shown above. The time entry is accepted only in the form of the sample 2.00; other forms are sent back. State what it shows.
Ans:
3.19
